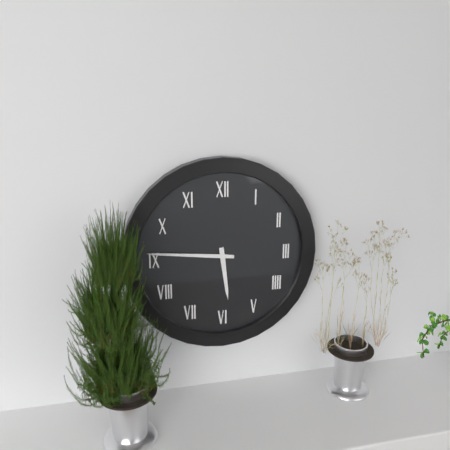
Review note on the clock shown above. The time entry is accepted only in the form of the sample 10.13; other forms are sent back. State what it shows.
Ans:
5.46
